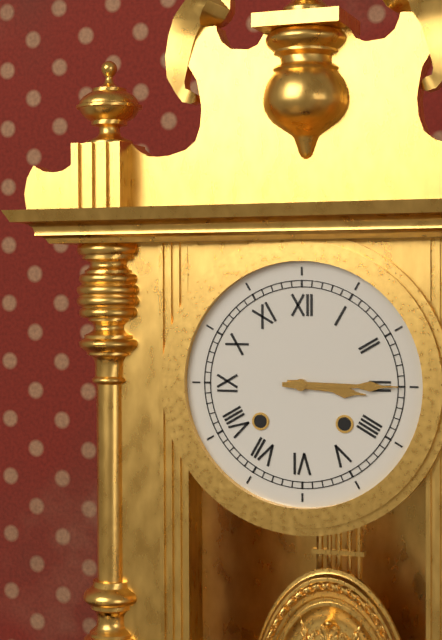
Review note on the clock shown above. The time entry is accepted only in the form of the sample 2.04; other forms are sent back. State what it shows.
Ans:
3.15
